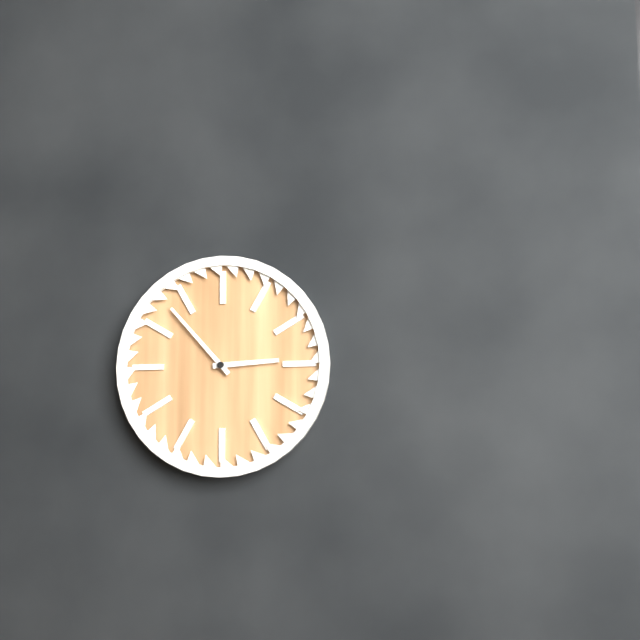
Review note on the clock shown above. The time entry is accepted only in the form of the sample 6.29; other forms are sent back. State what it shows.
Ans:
2.53
